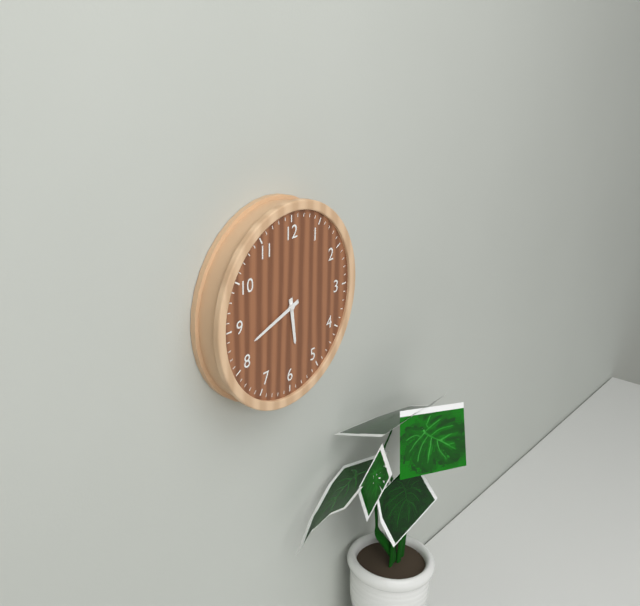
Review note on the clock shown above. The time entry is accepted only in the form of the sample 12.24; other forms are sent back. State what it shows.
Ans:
5.42
